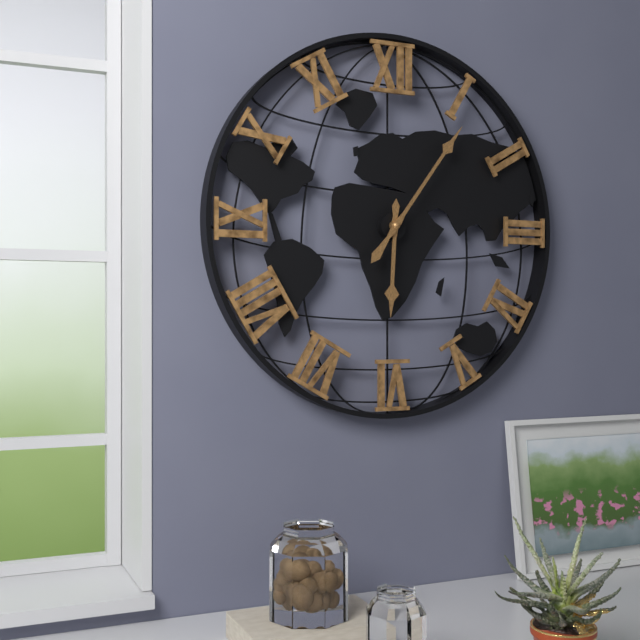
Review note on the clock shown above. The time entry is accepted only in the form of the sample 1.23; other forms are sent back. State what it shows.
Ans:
6.06
